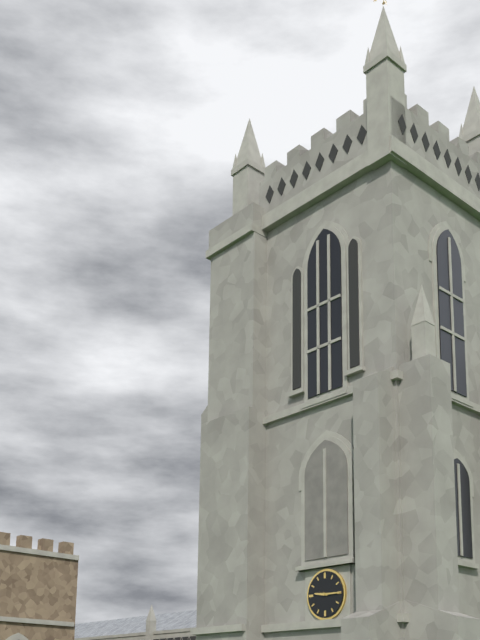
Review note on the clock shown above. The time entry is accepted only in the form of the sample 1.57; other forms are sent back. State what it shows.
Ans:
9.15
